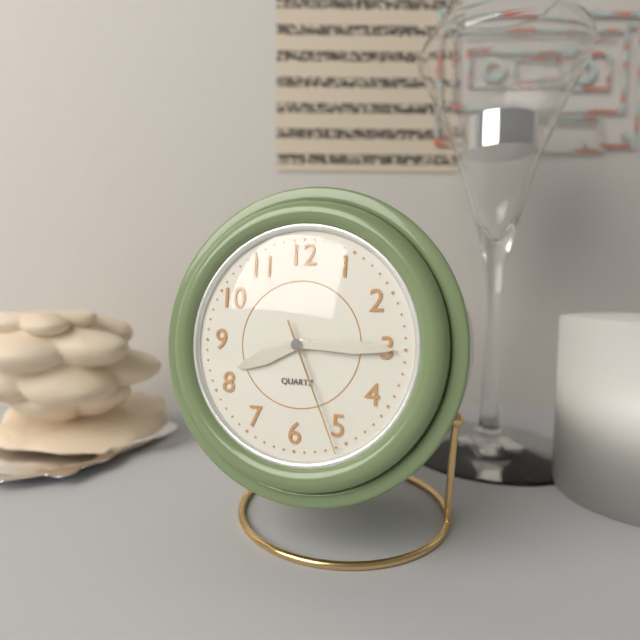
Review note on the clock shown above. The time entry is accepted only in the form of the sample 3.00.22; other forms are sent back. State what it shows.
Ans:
8.15.26
